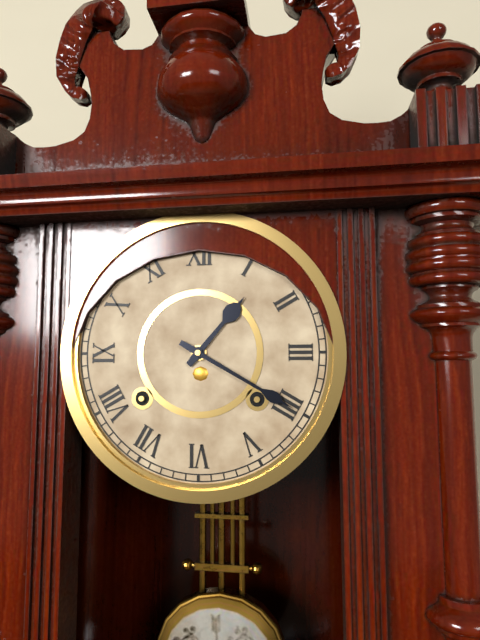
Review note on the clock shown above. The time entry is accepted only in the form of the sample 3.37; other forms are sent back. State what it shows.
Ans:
1.20
